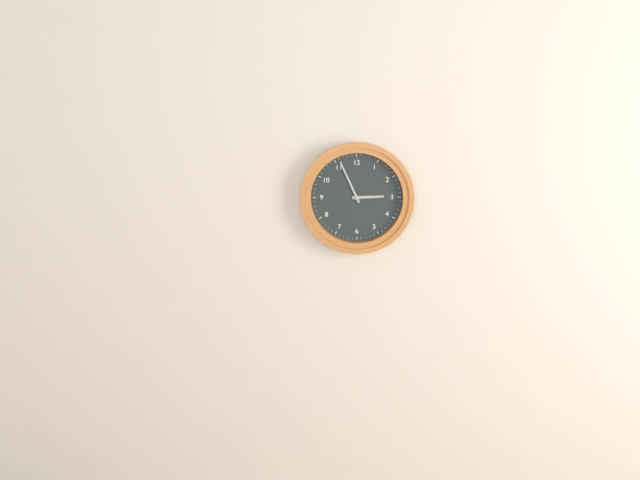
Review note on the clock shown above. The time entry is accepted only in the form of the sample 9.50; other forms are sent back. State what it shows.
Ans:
2.56
